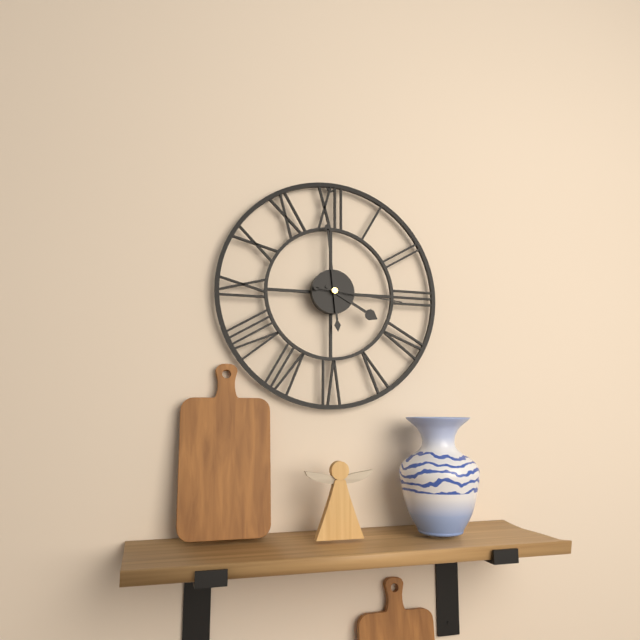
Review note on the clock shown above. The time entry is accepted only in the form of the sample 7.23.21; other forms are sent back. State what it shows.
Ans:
3.59.16
